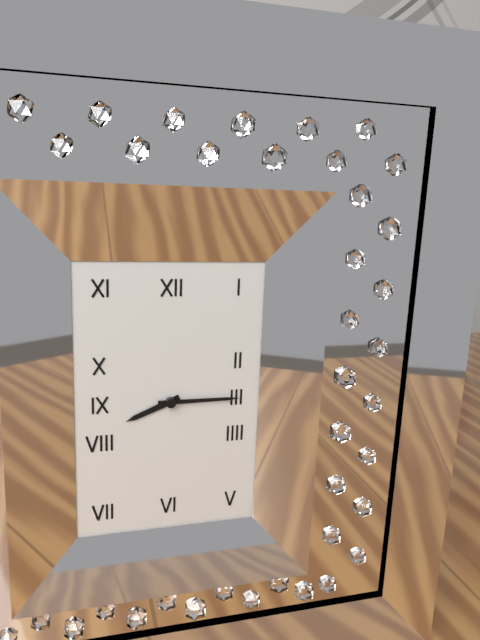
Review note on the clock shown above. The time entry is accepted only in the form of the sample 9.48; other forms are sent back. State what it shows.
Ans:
8.15
